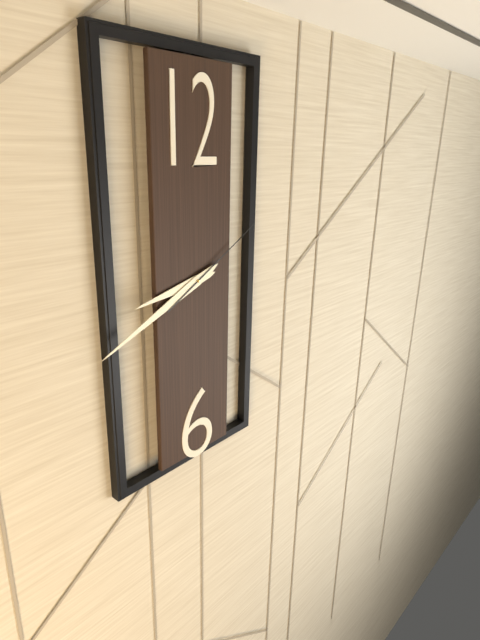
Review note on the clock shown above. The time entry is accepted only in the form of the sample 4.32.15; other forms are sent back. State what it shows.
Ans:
8.41.10
